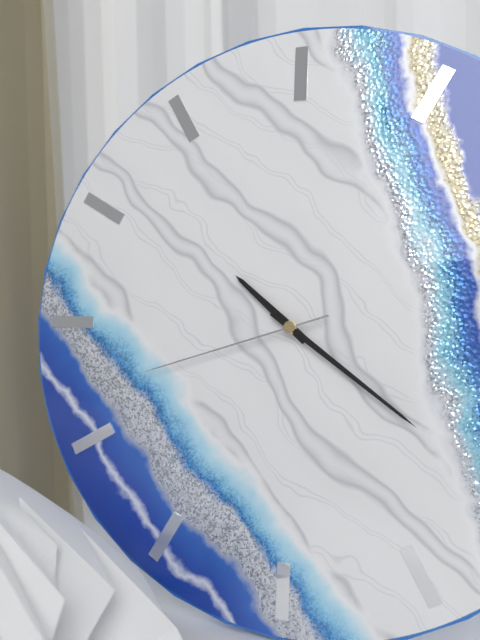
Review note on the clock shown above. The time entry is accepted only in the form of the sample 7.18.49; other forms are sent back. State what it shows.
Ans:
10.21.42
